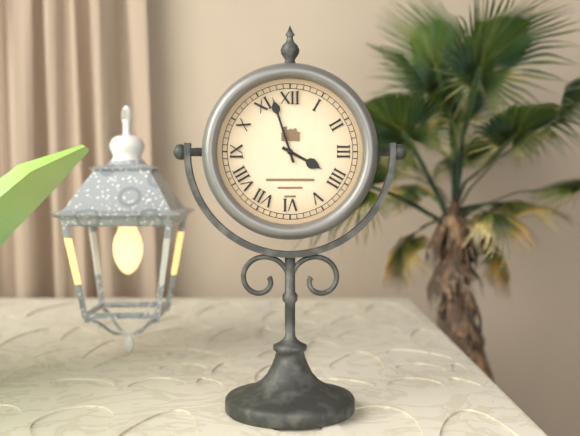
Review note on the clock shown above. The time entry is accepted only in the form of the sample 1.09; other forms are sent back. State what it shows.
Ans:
3.57
